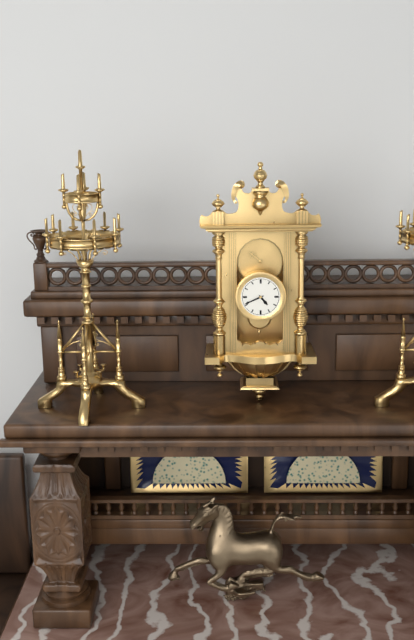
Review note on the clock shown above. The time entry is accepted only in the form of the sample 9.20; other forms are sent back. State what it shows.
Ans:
4.41
